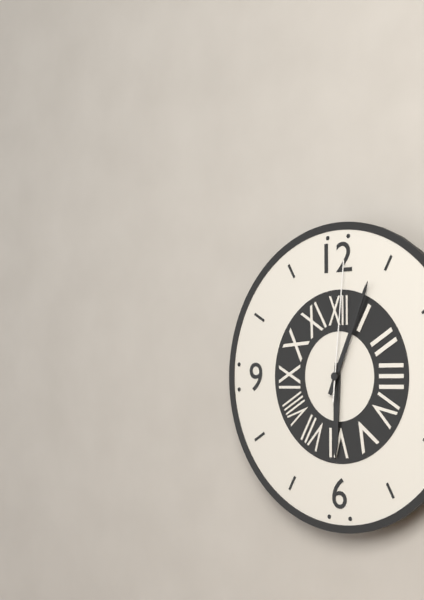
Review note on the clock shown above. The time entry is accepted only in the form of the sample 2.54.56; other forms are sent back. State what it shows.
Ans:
6.04.01
